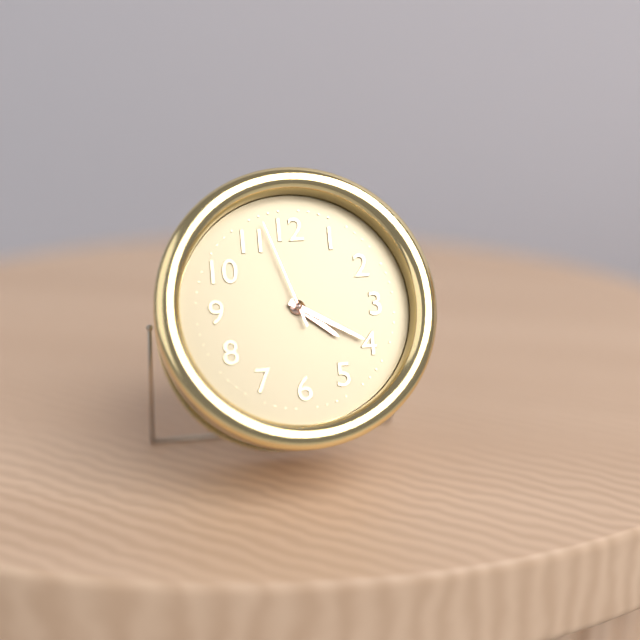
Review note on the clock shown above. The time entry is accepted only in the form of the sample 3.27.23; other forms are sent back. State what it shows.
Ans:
4.20.57
